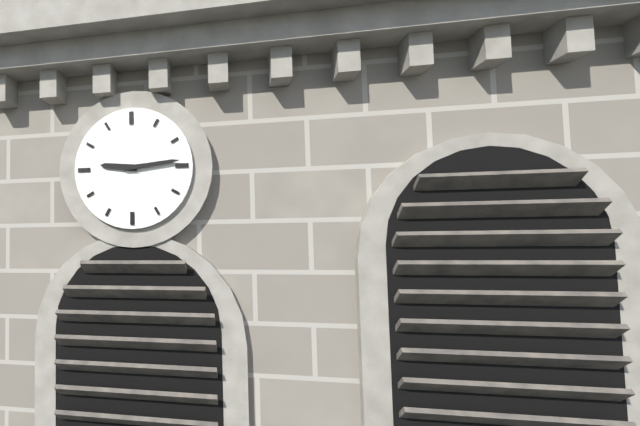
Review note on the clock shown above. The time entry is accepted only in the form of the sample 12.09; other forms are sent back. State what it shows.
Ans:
9.14
